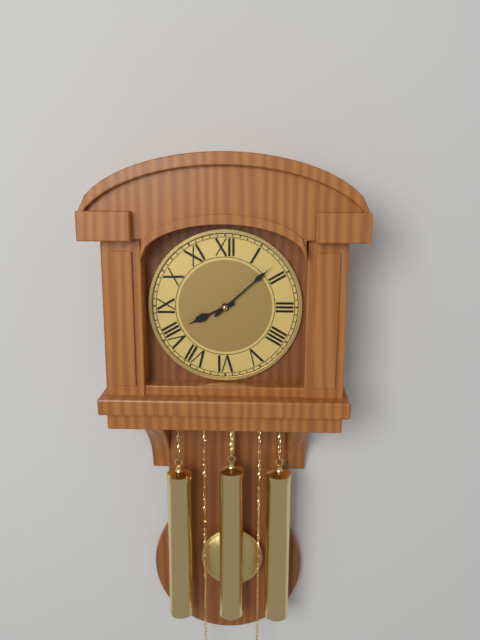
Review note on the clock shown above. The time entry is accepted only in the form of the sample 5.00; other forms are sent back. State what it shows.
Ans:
8.08
